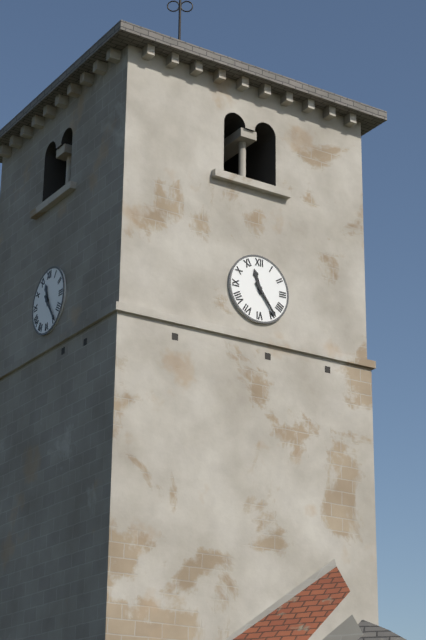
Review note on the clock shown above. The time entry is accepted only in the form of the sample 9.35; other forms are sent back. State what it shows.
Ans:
11.24
